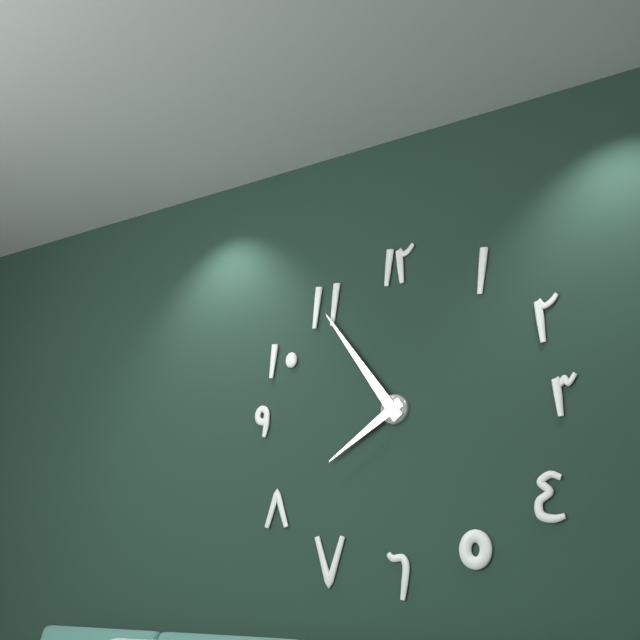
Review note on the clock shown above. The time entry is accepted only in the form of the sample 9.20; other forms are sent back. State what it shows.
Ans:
7.54
